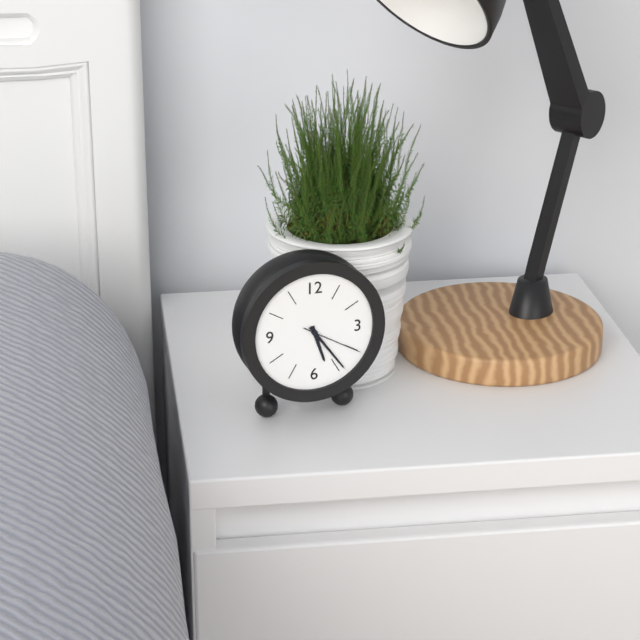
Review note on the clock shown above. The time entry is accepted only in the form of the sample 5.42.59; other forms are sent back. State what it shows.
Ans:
5.24.20
